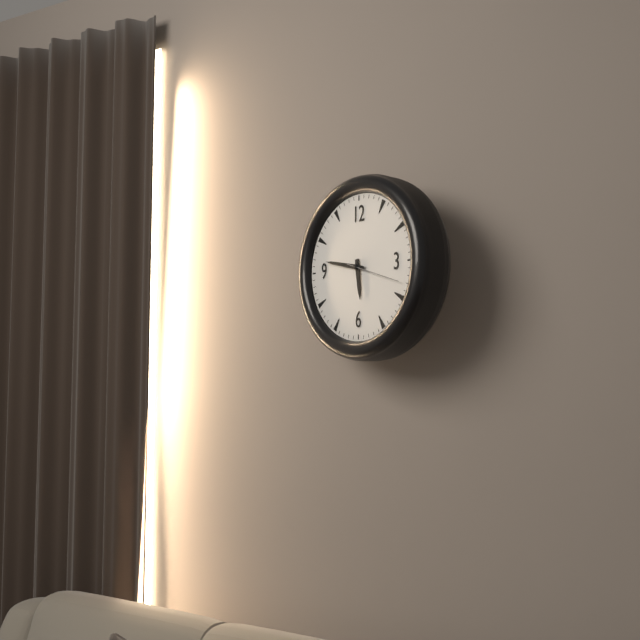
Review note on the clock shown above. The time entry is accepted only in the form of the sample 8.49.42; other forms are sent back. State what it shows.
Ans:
5.47.18
